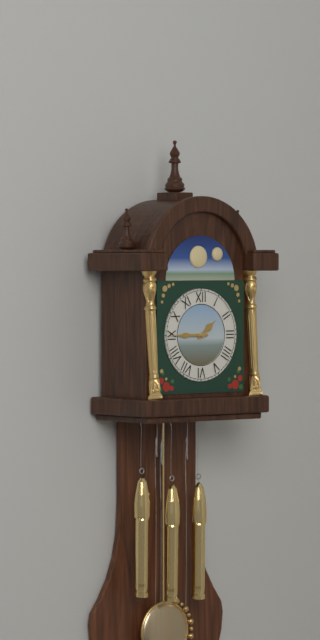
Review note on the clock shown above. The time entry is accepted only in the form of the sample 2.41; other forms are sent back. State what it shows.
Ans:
1.45
